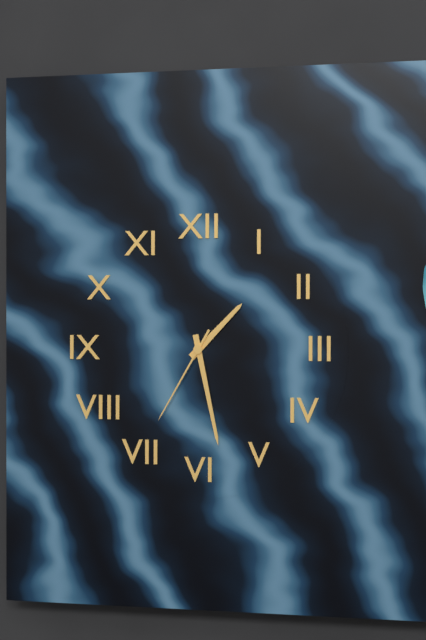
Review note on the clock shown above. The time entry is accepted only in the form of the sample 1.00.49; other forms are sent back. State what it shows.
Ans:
1.28.35
